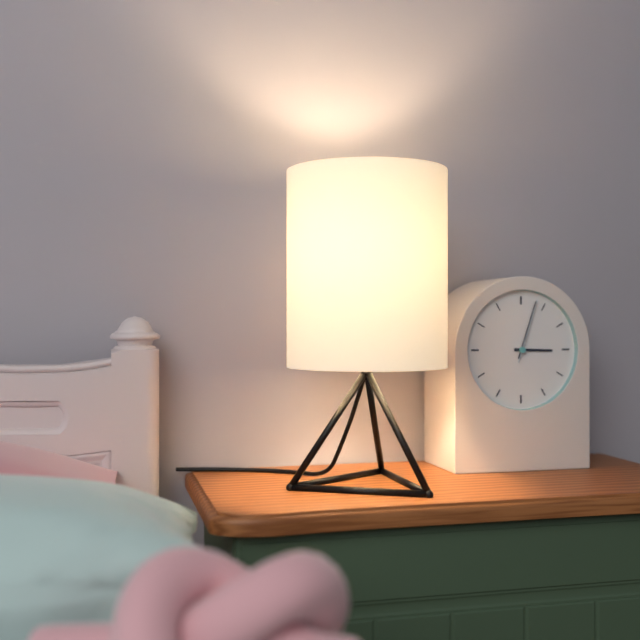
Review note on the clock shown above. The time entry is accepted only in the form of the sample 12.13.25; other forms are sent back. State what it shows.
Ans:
3.03.03
